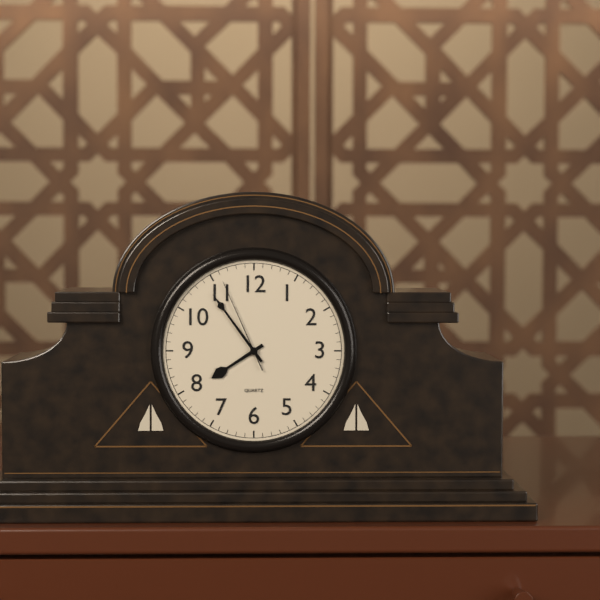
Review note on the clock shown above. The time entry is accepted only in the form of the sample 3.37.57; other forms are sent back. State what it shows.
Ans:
7.54.56
